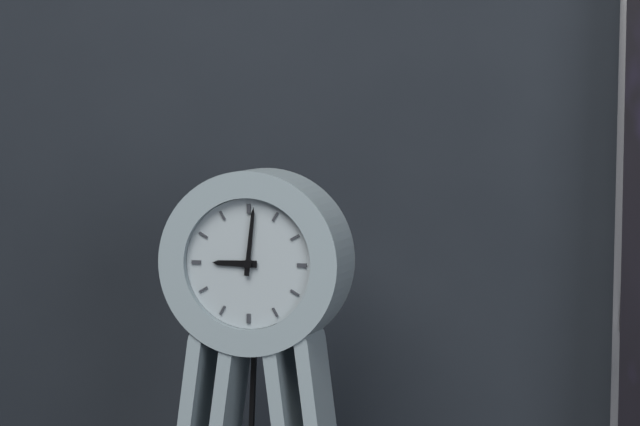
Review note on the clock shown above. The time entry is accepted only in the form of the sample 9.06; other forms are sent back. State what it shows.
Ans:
9.01
